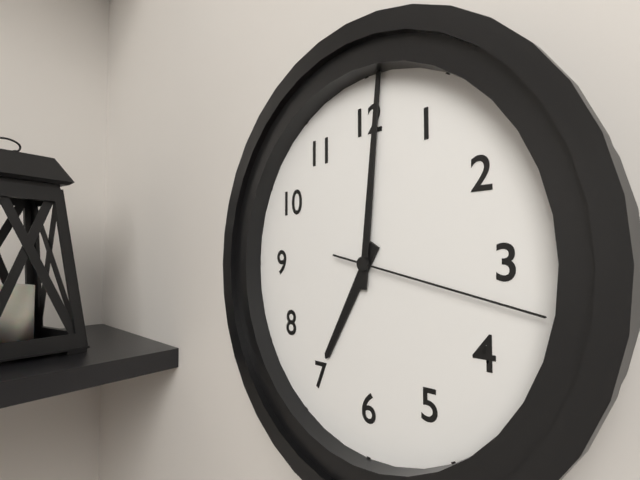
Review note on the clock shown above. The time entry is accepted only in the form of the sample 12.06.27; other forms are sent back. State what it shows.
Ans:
7.01.17
